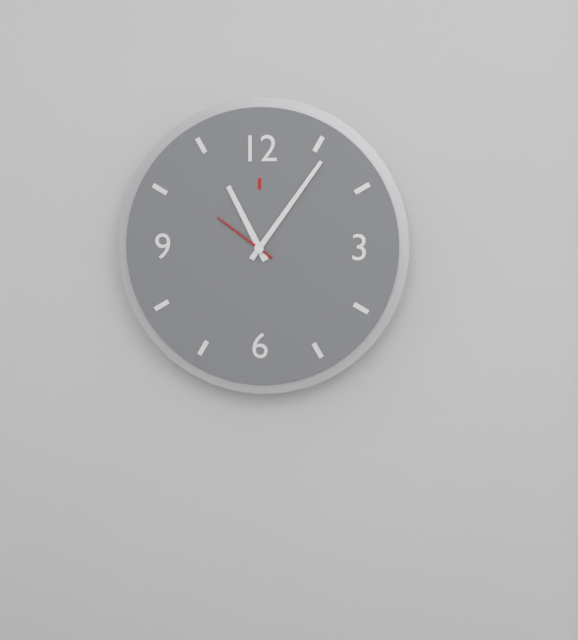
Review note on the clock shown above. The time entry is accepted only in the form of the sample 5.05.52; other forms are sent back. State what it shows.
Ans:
11.06.51
